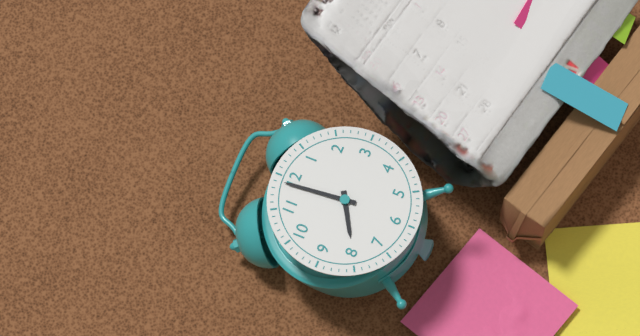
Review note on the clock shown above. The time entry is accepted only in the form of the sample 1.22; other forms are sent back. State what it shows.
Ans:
7.59
